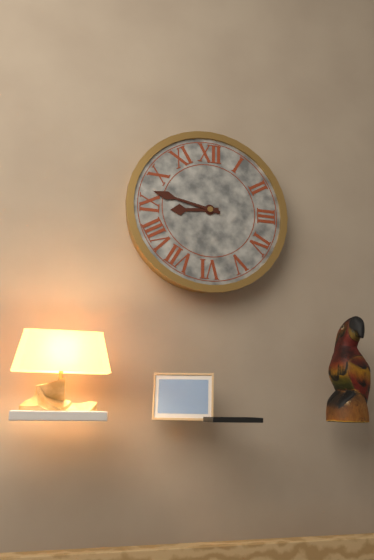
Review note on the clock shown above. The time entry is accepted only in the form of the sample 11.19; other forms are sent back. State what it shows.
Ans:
8.47
